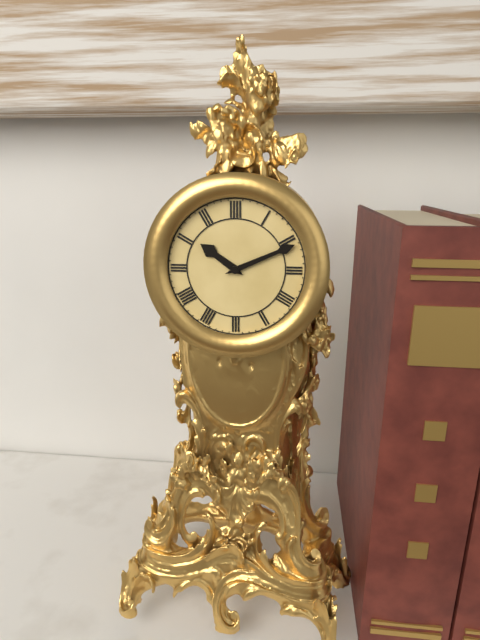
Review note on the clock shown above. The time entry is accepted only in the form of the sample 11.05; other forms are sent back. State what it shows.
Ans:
10.11
